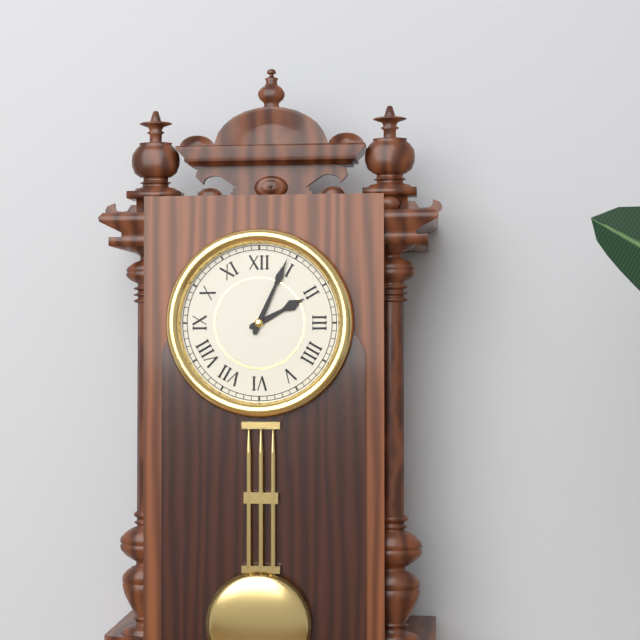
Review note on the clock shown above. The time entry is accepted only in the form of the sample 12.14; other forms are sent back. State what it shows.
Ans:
2.04
